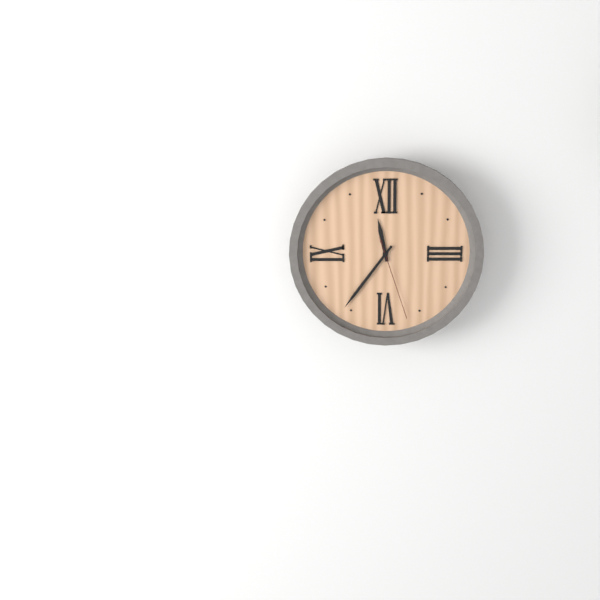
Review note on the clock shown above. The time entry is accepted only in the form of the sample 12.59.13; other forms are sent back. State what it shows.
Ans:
11.36.27
